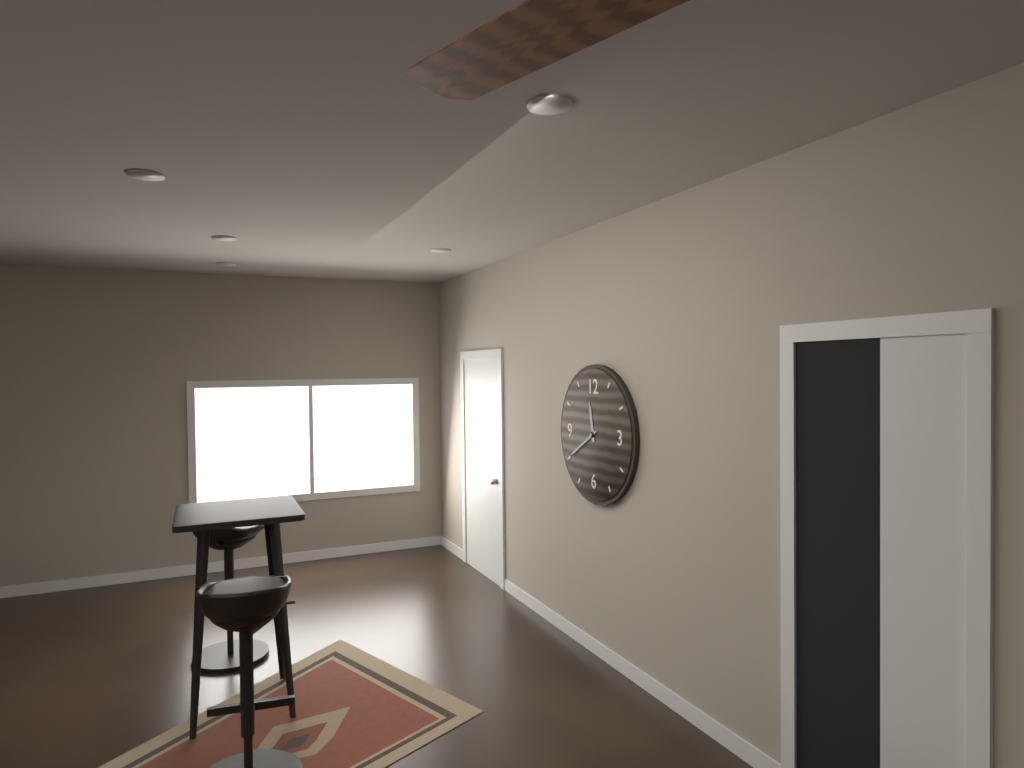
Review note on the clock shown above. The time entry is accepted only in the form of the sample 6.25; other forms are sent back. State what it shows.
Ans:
11.40
